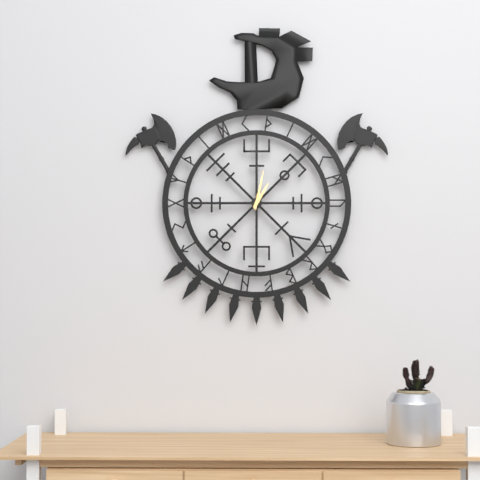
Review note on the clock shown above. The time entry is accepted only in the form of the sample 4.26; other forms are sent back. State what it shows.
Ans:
1.02
